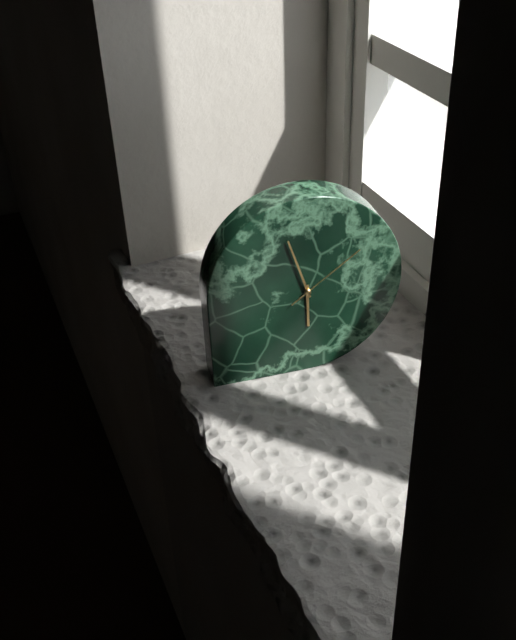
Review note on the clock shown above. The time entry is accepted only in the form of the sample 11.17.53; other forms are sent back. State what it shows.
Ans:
5.57.09
